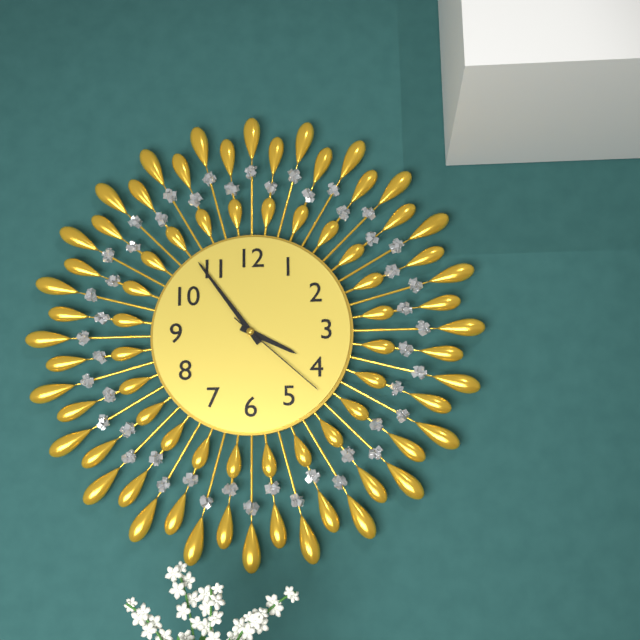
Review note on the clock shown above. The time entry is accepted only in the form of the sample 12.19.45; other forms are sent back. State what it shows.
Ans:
3.54.22
